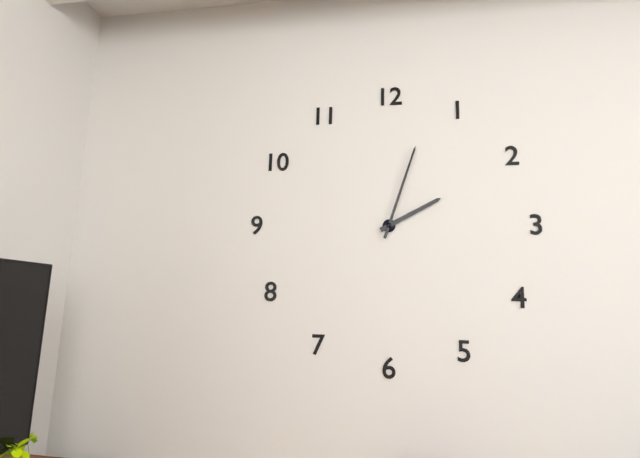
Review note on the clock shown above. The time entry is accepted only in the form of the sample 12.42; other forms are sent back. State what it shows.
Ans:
2.03
